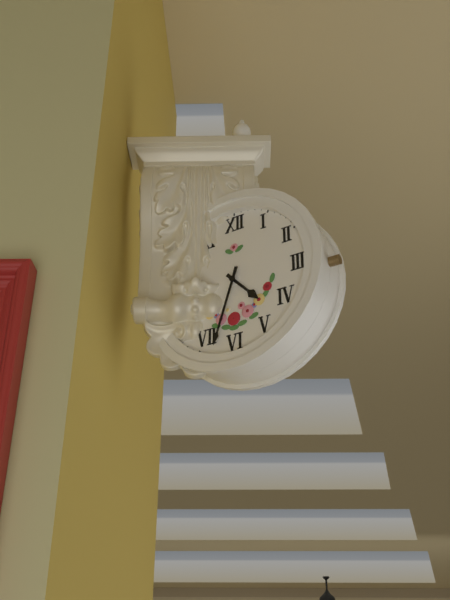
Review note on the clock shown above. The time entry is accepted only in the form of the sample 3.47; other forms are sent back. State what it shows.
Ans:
4.33
